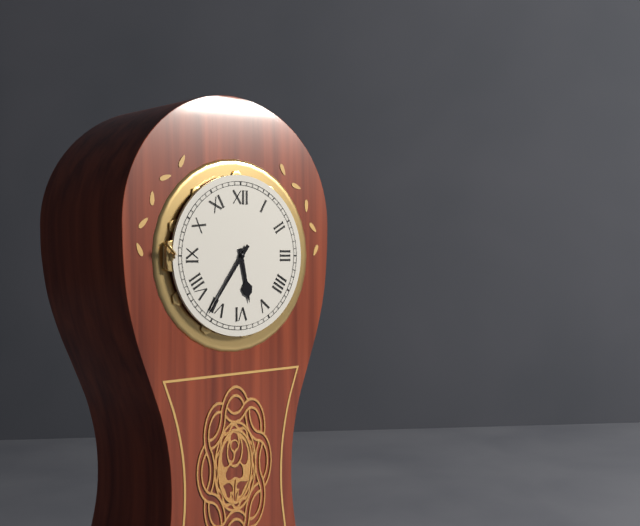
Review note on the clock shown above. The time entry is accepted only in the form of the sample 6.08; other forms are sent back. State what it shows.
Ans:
5.36
